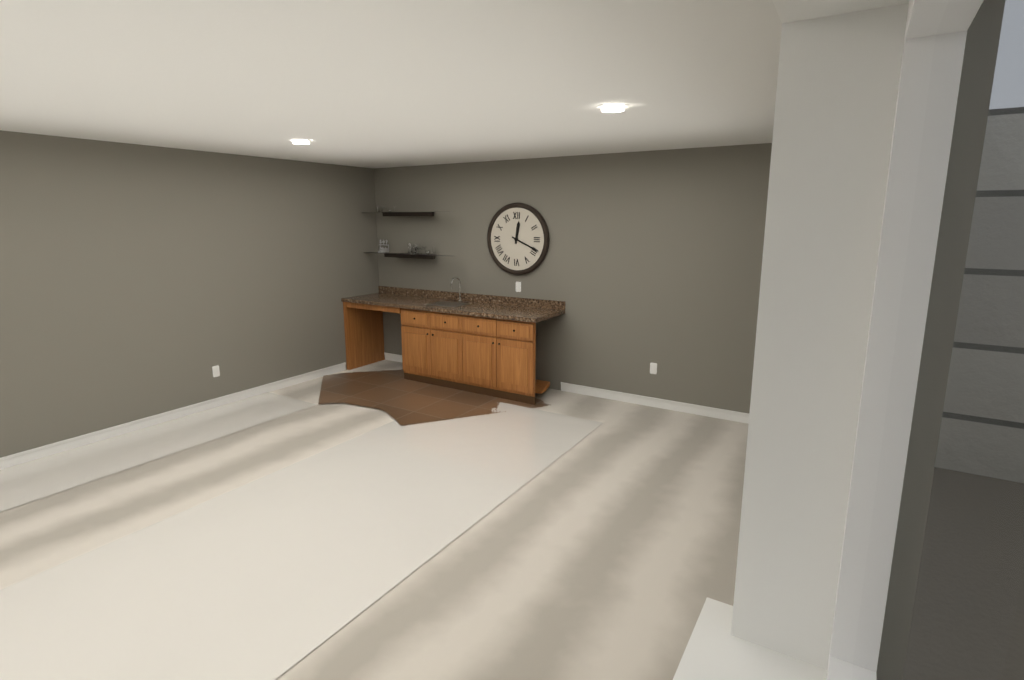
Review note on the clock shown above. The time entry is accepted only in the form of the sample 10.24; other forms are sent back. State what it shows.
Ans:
12.19
